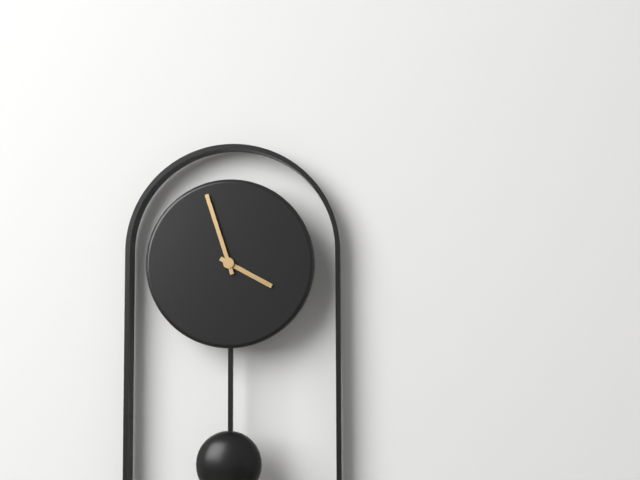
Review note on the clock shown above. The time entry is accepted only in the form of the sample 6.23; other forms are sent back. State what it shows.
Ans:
3.57
